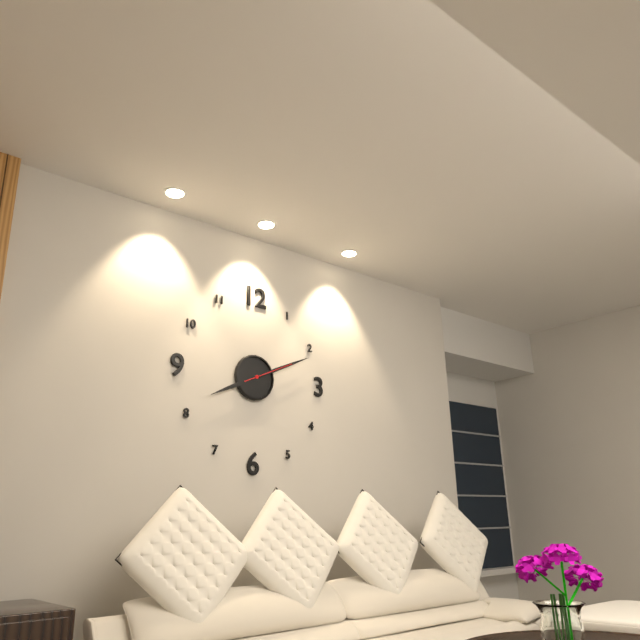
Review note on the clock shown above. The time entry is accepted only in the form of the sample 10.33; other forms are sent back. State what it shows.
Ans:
8.11
